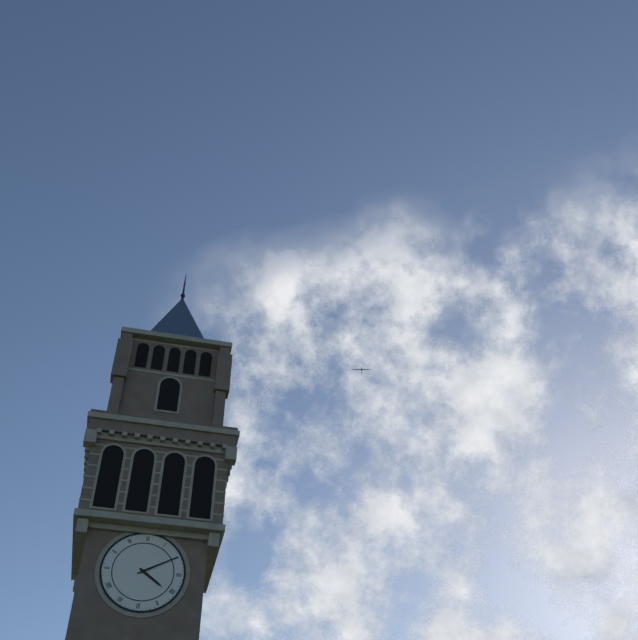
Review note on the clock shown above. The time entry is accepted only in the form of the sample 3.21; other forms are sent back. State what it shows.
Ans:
4.10
